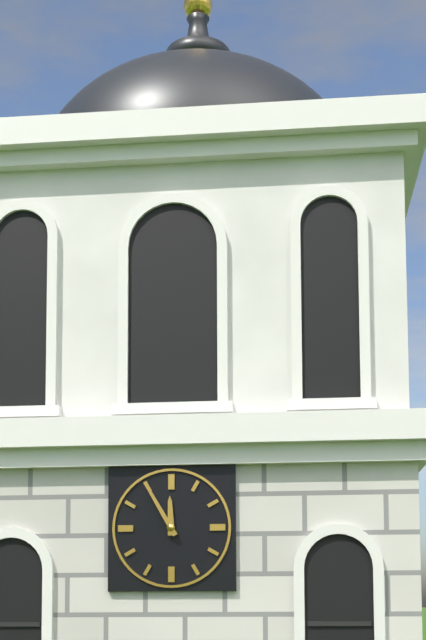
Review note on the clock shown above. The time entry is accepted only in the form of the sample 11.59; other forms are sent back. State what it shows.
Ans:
11.55
